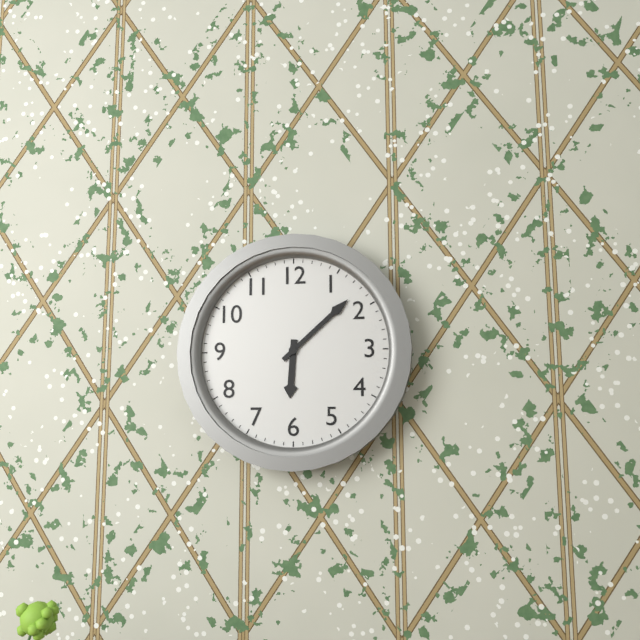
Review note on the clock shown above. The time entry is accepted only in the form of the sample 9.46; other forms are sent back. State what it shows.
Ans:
6.08
